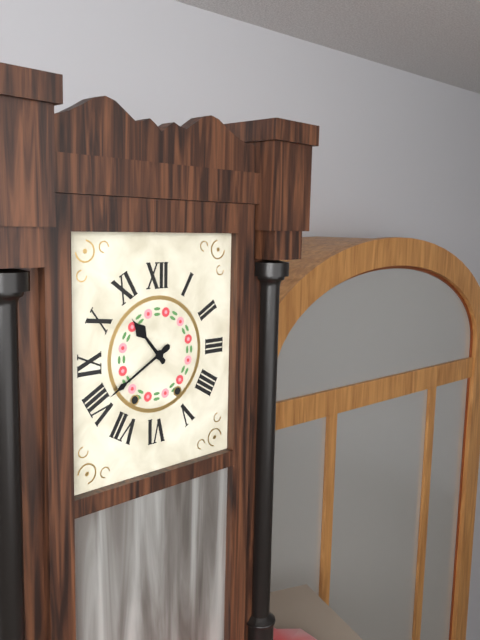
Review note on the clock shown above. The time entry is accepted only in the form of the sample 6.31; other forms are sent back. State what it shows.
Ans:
10.40
